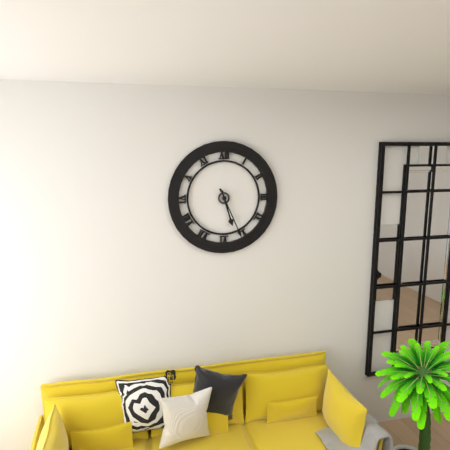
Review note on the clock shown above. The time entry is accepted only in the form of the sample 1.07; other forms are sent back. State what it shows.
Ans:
5.26
